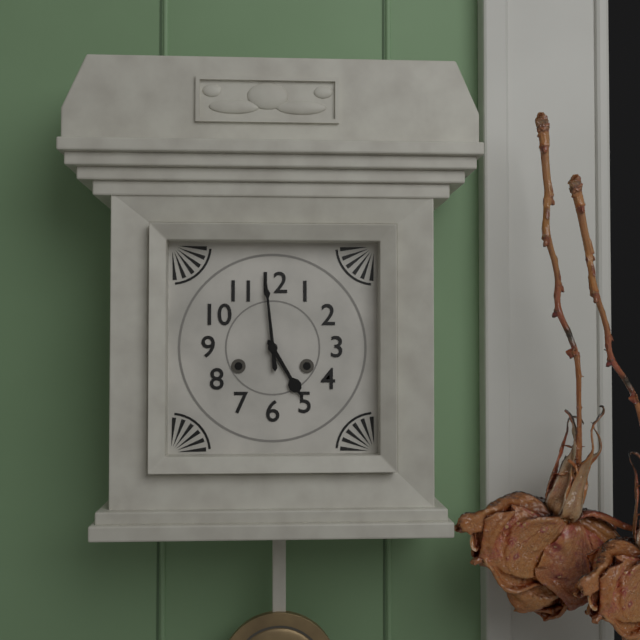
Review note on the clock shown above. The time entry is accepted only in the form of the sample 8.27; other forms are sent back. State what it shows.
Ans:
4.59
